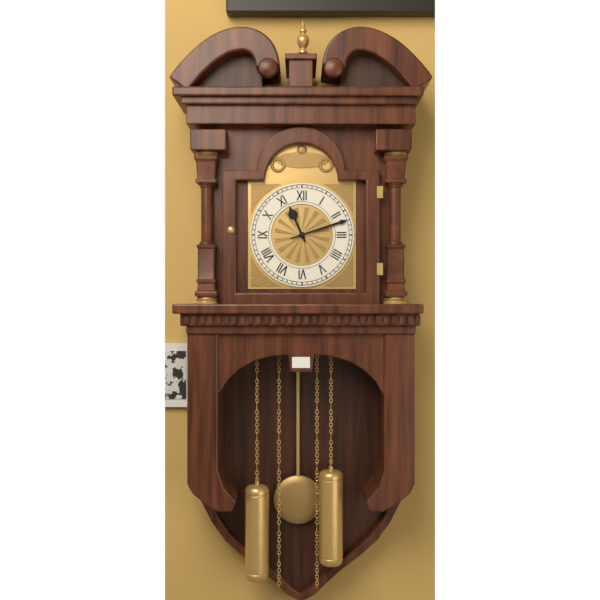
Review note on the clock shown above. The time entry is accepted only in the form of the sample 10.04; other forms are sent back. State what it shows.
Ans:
11.12
